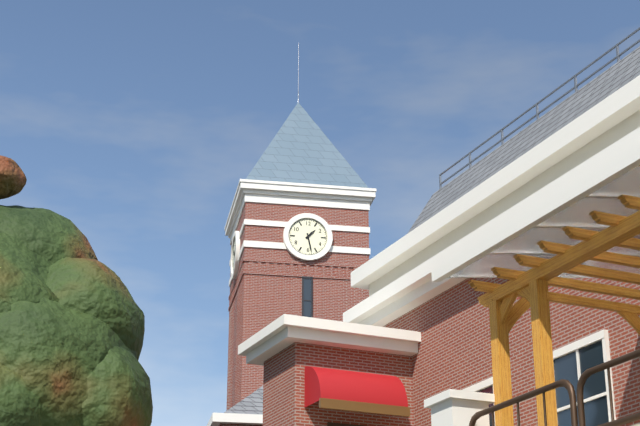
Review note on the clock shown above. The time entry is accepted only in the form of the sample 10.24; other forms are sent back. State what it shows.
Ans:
1.28
